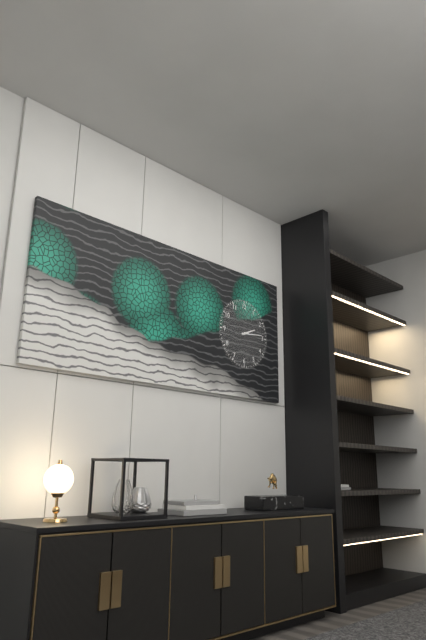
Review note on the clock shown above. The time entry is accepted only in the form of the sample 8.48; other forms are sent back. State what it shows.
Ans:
2.14
